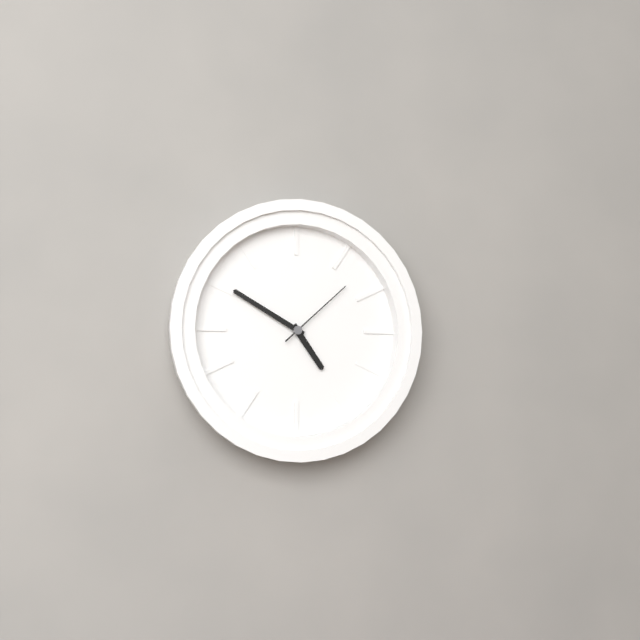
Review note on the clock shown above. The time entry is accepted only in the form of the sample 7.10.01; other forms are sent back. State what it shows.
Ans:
4.50.08
